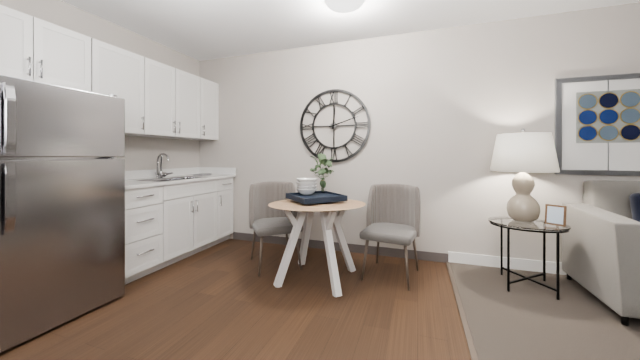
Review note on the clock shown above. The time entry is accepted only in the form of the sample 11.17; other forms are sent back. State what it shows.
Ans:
12.12
